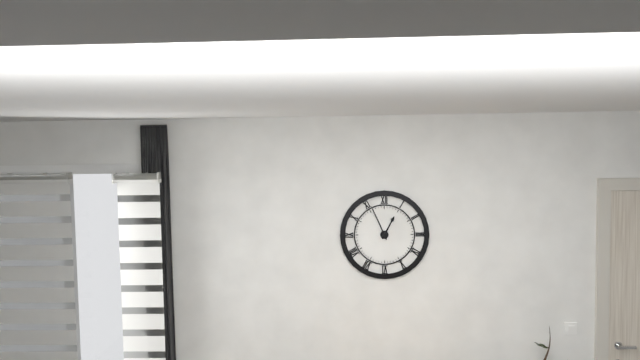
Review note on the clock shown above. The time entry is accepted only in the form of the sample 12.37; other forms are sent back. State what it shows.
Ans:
12.56
